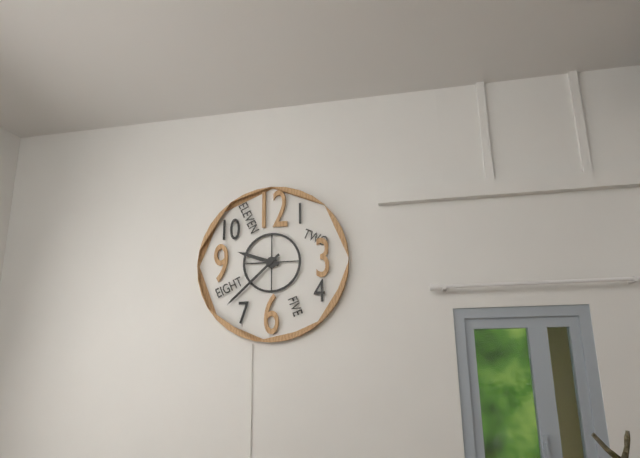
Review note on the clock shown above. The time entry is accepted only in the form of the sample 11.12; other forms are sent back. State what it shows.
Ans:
9.38
